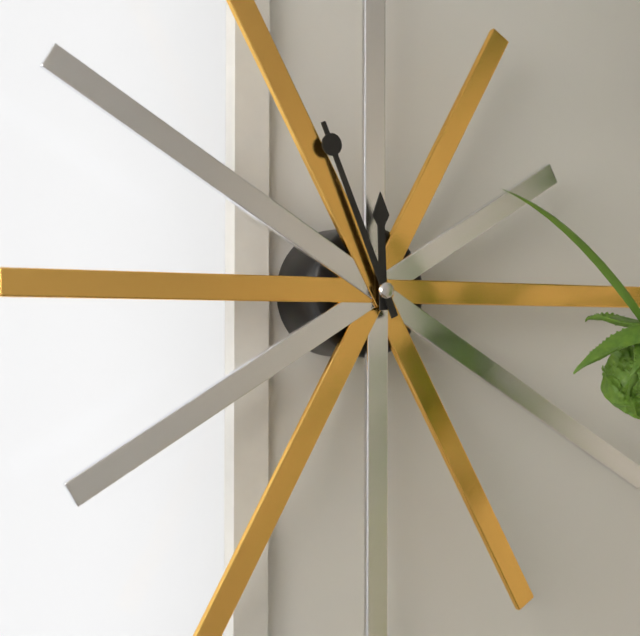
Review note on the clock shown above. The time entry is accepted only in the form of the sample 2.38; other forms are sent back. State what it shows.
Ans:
11.56
